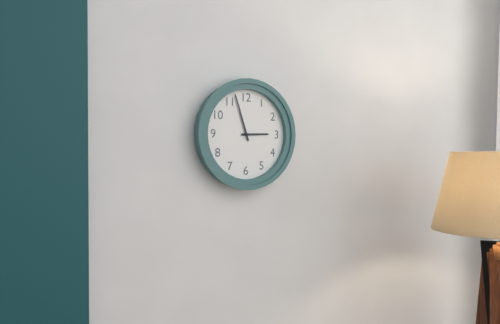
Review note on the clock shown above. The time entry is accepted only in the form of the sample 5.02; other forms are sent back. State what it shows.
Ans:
2.57
